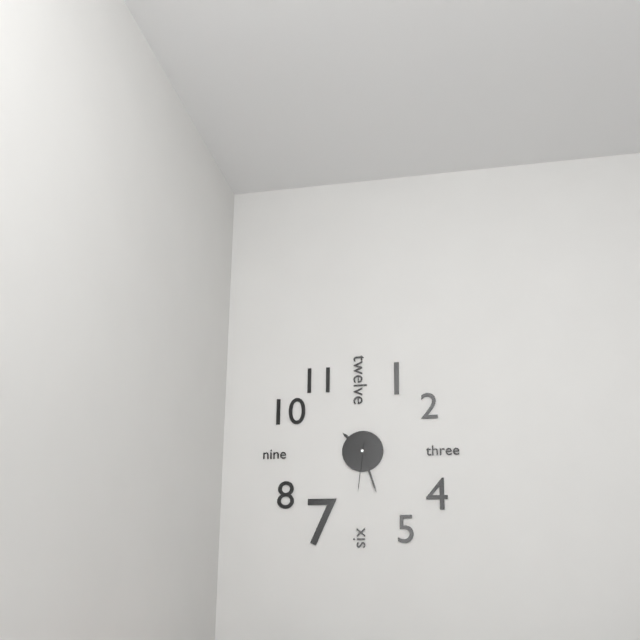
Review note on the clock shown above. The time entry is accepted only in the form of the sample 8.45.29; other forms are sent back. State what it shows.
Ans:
10.27.31
